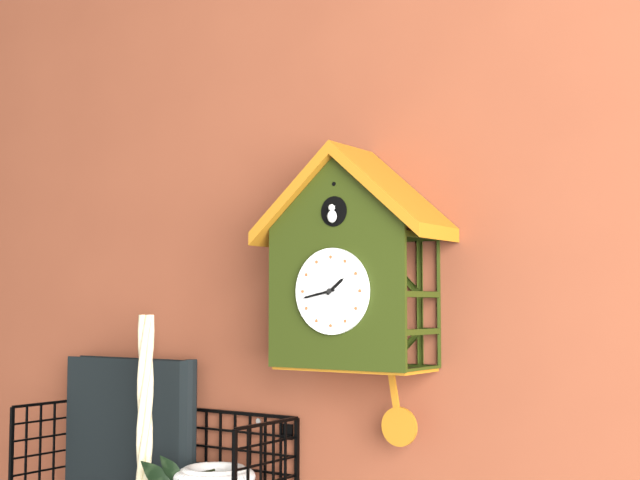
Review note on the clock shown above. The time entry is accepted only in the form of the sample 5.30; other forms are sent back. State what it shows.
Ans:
1.43
